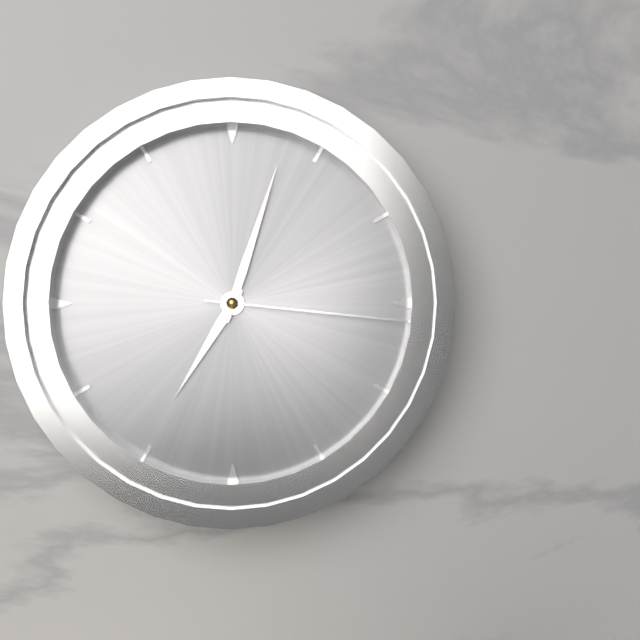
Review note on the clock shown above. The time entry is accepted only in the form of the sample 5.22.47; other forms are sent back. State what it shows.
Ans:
7.03.16
